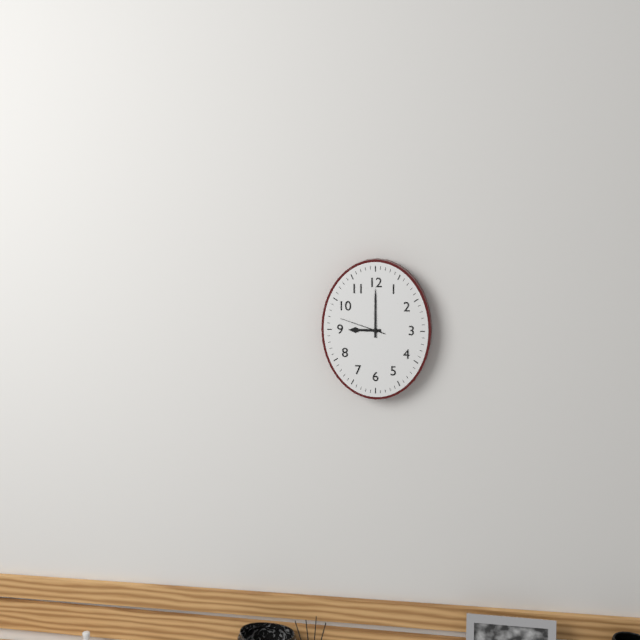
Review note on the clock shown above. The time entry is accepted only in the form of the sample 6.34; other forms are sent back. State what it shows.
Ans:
9.00
